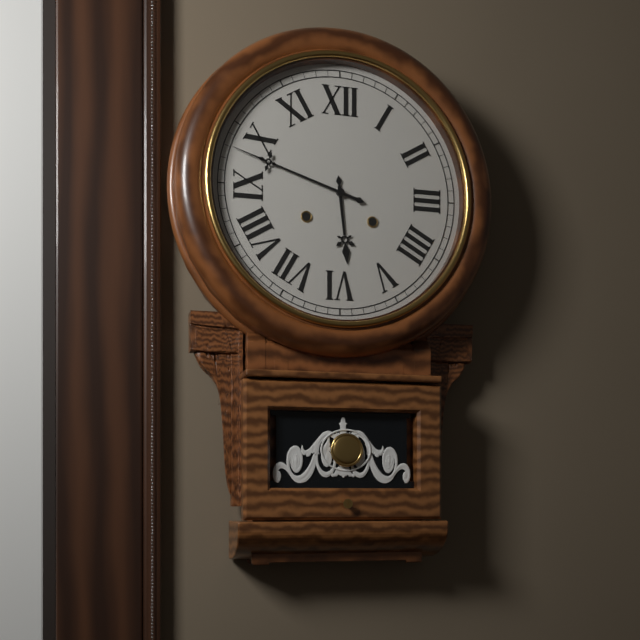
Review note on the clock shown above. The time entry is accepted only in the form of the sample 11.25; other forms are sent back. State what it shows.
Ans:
5.48
